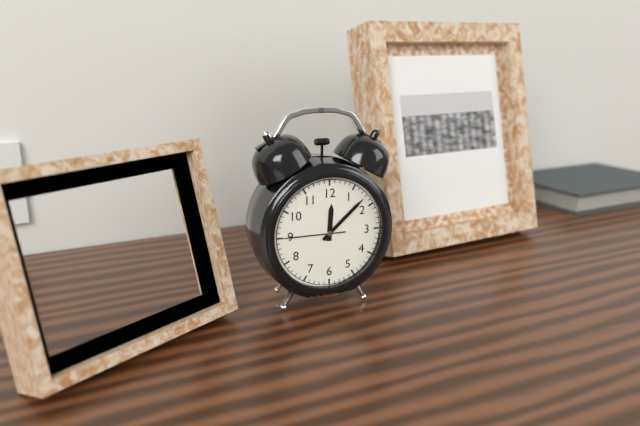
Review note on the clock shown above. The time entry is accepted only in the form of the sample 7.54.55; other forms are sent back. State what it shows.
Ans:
12.08.45
